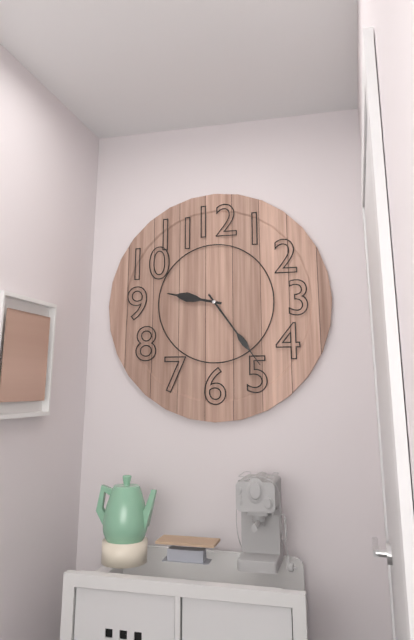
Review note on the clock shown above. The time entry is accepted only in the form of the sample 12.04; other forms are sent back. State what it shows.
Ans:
9.24
